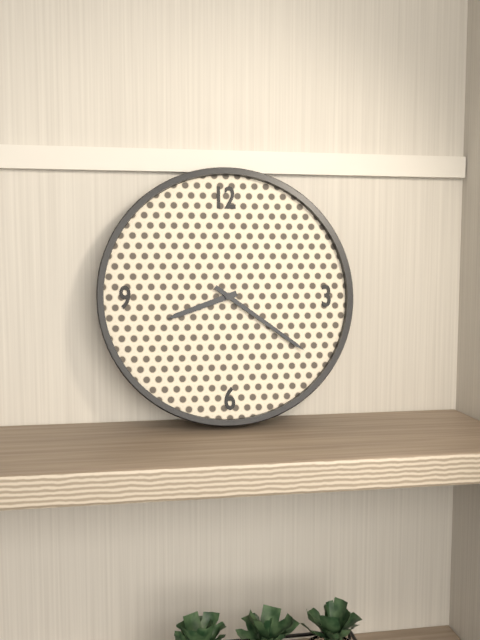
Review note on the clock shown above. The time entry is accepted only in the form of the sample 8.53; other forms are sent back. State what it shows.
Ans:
8.21
